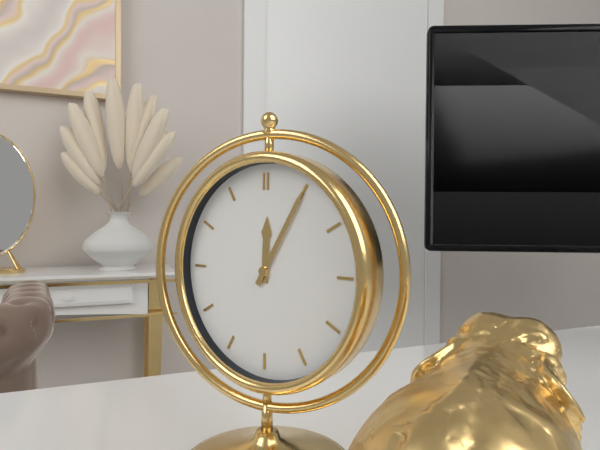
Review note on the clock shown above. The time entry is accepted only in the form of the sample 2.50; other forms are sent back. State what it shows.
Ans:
12.05
